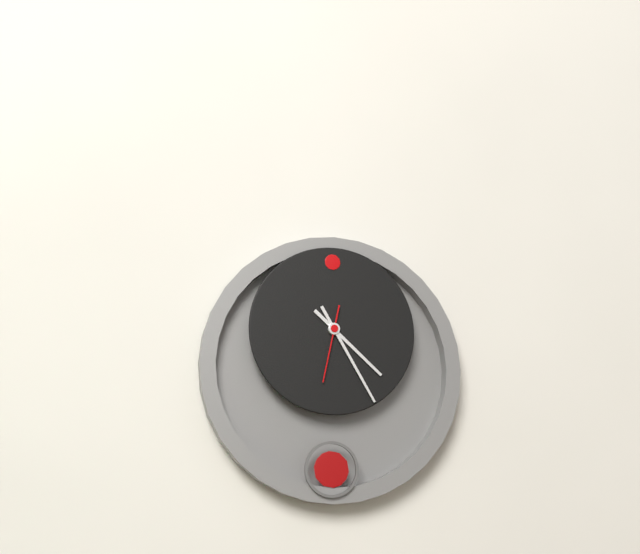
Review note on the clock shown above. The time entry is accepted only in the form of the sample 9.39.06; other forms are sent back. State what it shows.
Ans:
4.25.32
